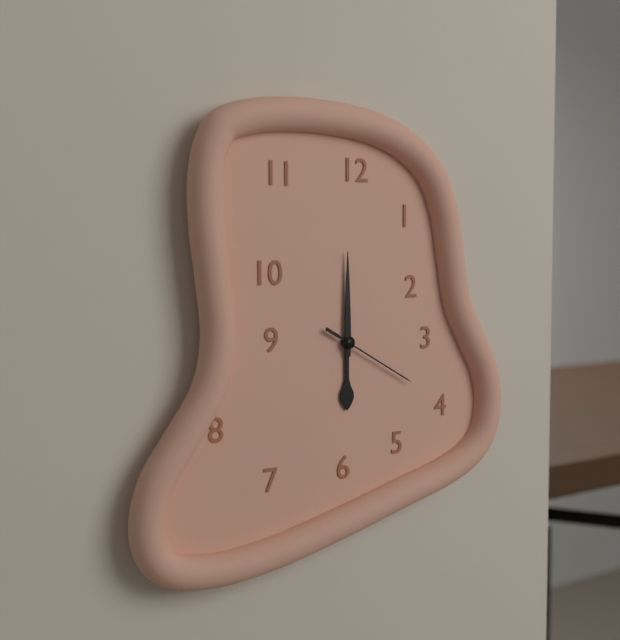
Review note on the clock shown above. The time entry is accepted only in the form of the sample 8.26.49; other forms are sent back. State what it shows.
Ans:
6.00.20
